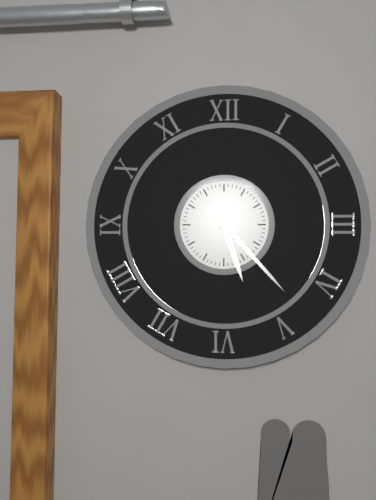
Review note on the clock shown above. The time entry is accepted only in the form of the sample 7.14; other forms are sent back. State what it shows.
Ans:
5.23
